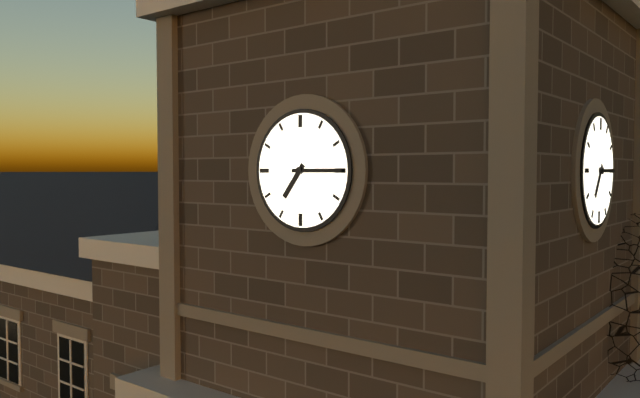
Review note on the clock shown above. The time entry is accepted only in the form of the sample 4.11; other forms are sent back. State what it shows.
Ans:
7.15
